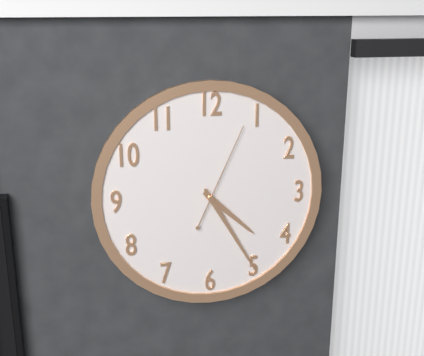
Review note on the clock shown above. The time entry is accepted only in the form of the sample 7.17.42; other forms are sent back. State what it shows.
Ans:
4.25.04
